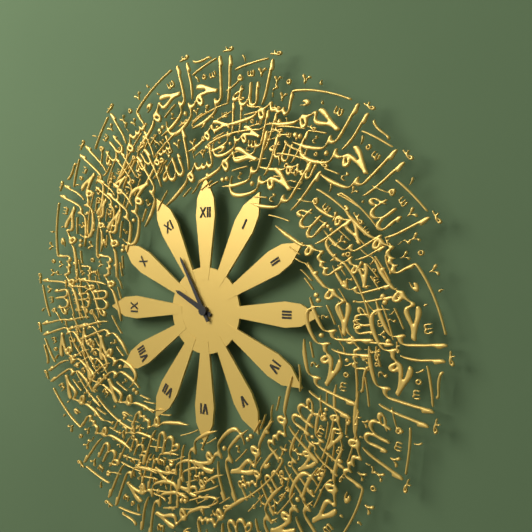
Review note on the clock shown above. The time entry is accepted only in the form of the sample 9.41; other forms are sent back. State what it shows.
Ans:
9.55
